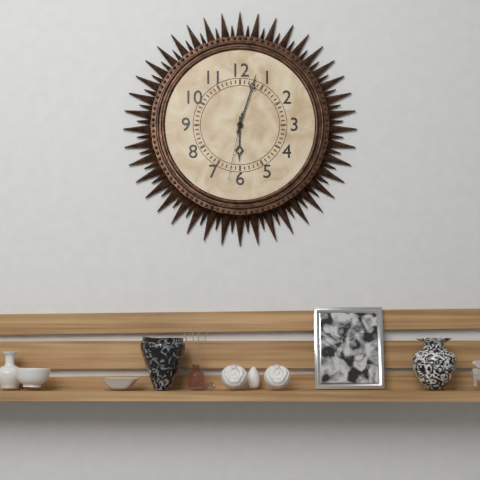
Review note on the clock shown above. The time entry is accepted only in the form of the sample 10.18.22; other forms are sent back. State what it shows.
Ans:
6.03.32
